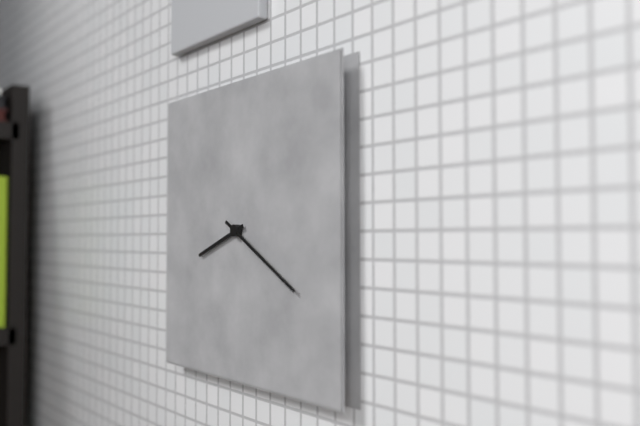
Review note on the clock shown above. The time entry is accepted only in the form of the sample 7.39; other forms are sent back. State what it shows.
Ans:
8.20
